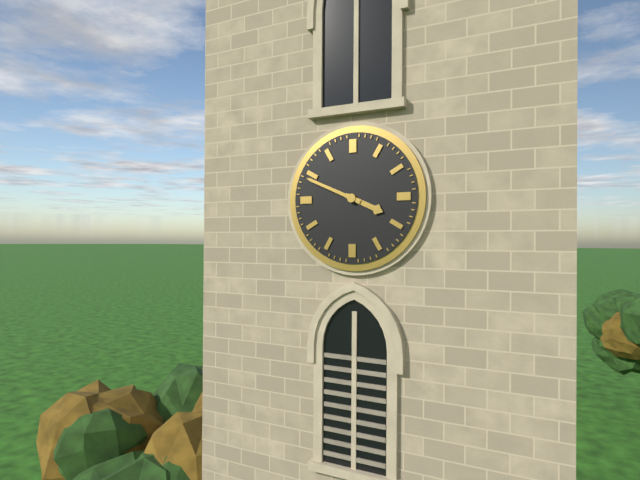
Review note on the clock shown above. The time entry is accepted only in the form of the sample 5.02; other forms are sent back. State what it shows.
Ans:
3.49
